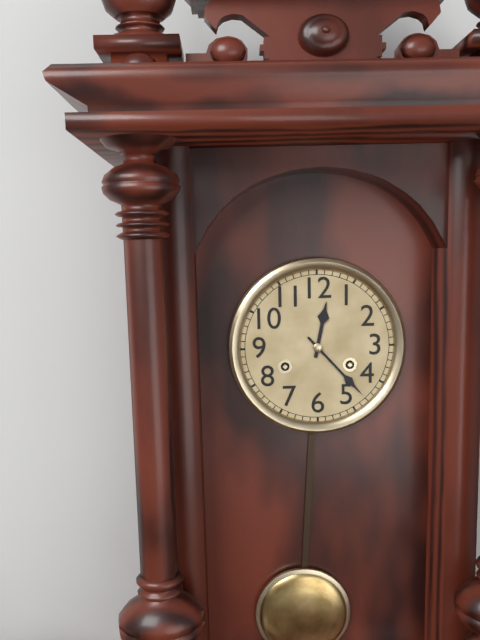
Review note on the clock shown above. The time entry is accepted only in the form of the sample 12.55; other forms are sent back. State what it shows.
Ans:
12.23
